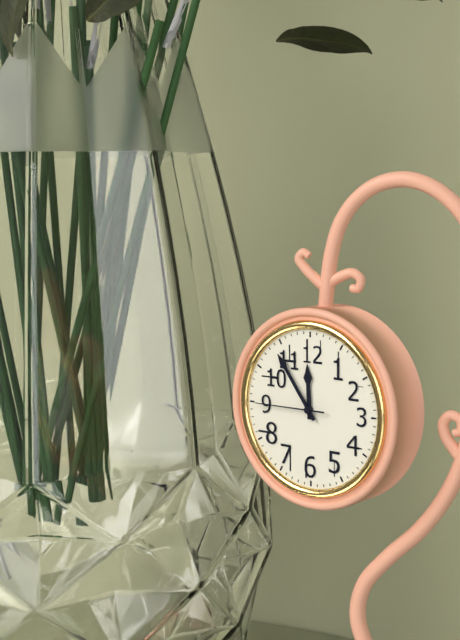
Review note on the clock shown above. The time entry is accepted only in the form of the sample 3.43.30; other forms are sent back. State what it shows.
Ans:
11.54.45
